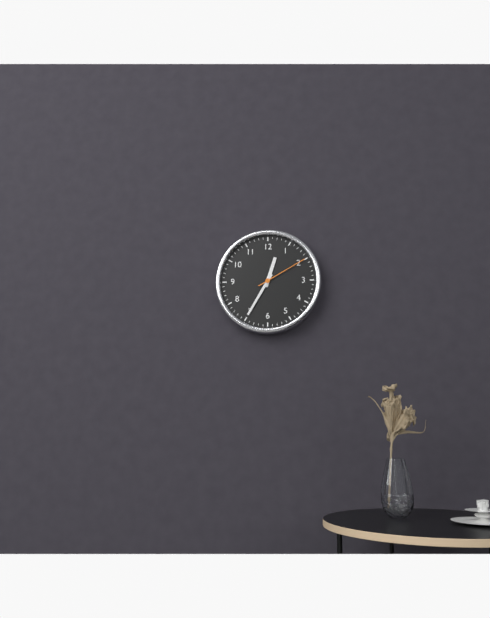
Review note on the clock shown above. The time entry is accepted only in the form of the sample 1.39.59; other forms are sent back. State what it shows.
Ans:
12.35.10
